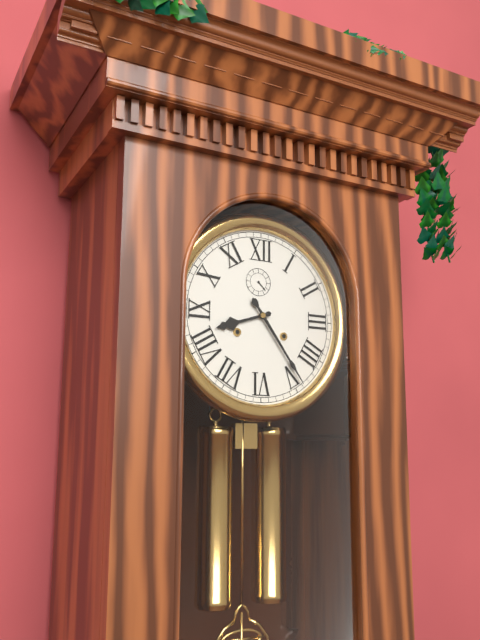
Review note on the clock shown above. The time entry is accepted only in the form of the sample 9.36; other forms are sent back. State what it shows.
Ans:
8.24
